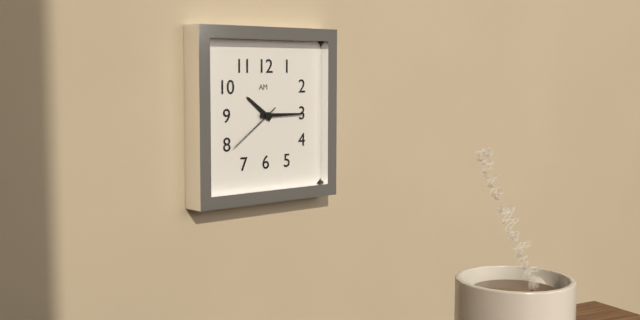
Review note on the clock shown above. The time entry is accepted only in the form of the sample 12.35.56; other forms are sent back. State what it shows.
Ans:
10.15.39
